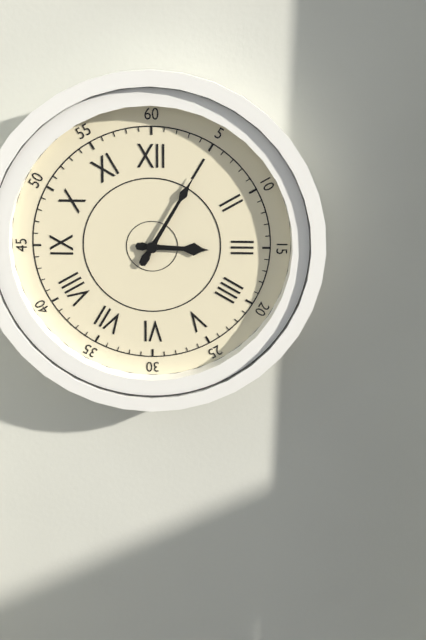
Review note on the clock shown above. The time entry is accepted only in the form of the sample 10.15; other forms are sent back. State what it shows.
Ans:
3.05
